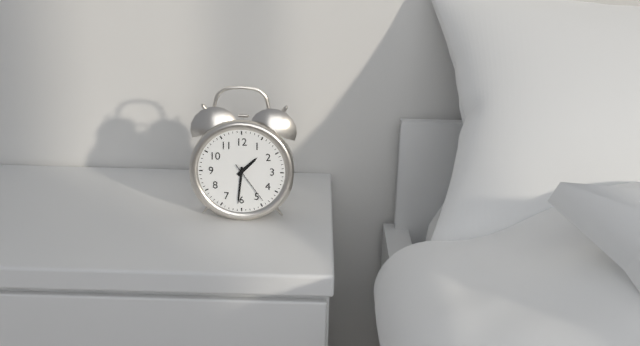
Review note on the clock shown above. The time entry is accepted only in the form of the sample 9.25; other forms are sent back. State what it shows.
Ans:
1.31
